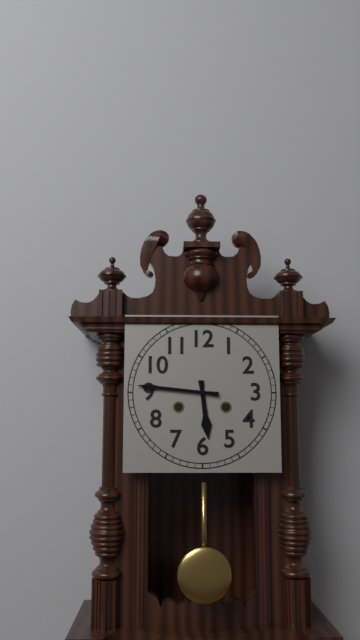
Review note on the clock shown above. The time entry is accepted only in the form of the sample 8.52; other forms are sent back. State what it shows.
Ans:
5.46
